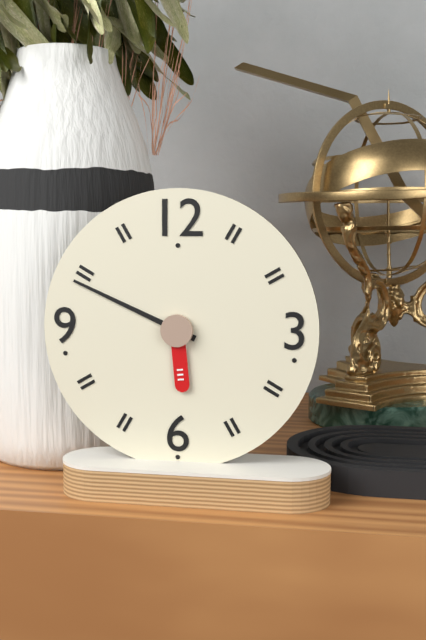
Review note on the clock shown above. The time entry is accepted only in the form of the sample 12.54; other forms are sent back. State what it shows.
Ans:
5.49
